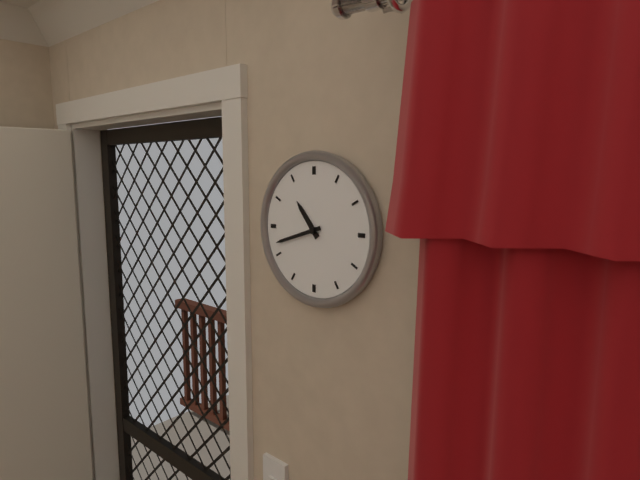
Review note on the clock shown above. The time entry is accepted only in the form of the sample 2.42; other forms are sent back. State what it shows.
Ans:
10.42
